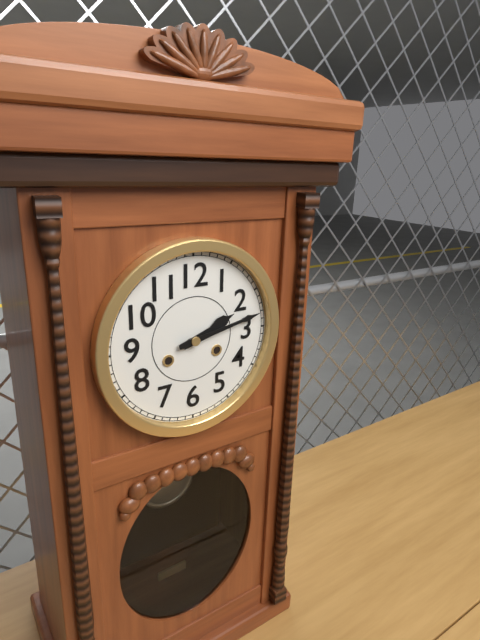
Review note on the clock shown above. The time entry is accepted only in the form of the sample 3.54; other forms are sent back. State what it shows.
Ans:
2.13
